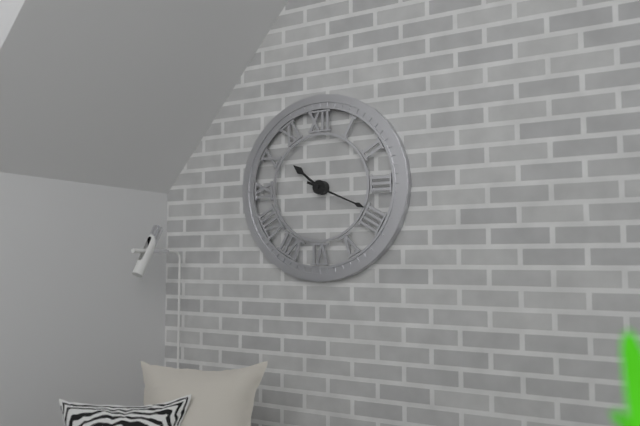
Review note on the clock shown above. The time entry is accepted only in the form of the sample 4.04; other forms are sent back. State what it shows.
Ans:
10.19
